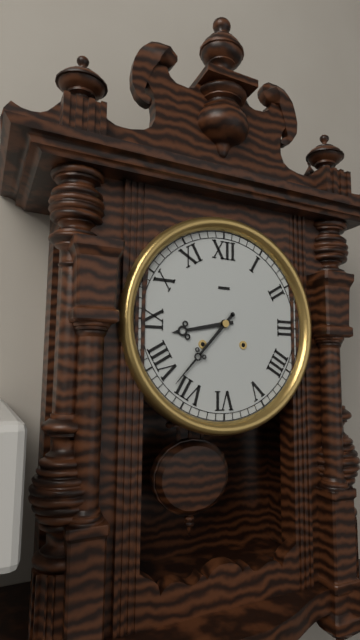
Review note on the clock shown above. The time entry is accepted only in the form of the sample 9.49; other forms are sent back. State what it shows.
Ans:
8.37
